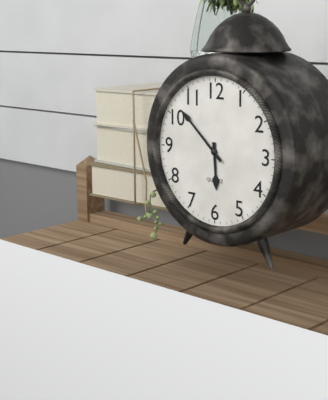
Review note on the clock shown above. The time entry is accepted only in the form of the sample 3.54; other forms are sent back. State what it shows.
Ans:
5.52
